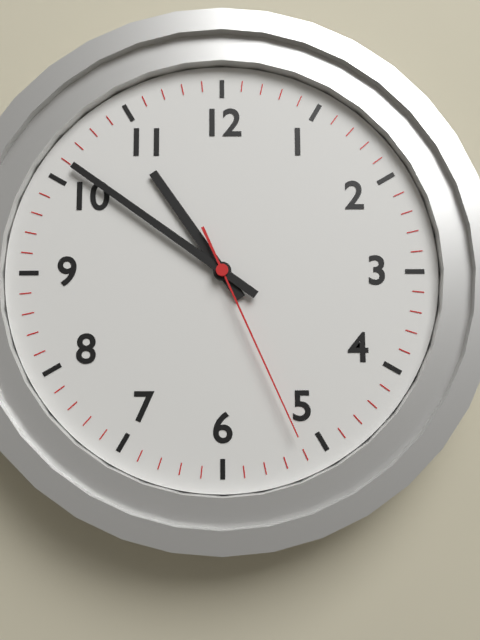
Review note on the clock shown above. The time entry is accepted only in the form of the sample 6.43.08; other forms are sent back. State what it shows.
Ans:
10.51.26
